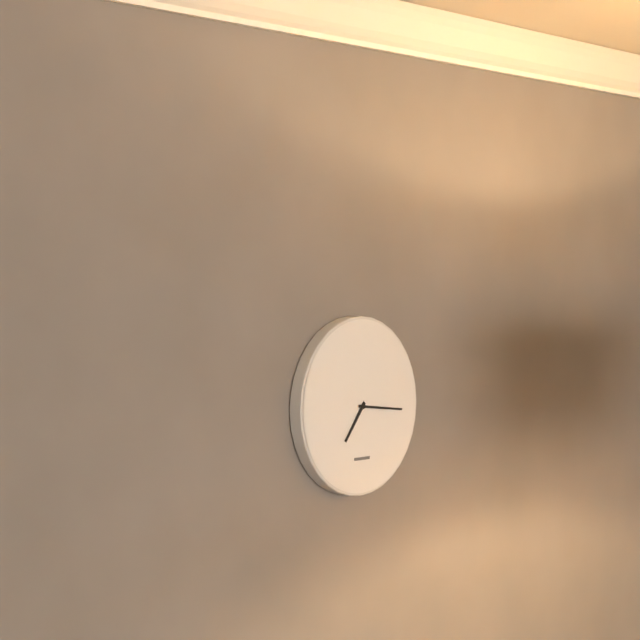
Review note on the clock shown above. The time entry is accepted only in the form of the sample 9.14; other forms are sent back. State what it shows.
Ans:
7.16
